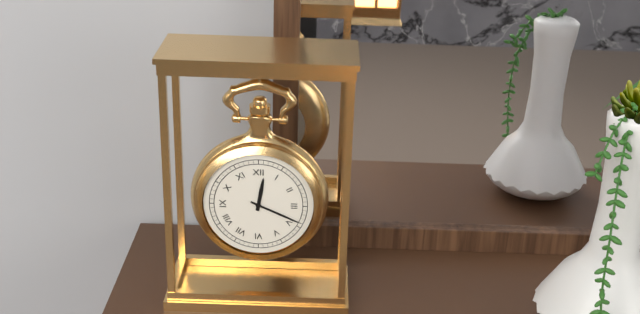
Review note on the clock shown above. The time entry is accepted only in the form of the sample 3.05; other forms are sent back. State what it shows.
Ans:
12.19
